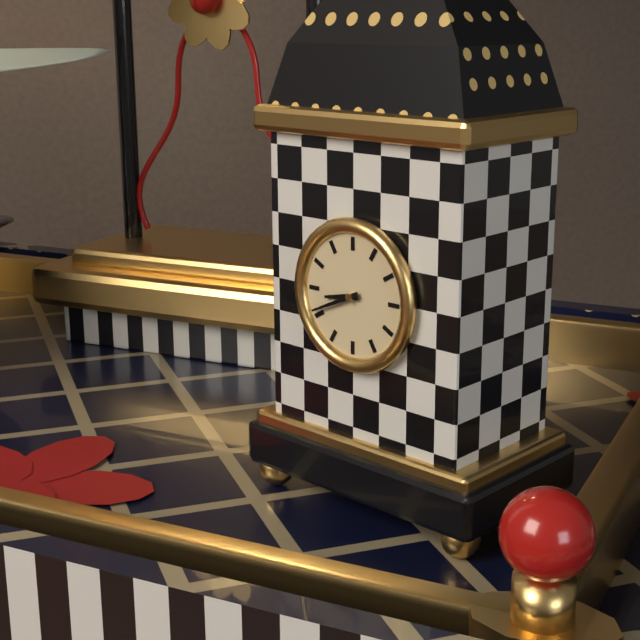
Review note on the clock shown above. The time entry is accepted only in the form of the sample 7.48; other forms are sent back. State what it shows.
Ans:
8.41
